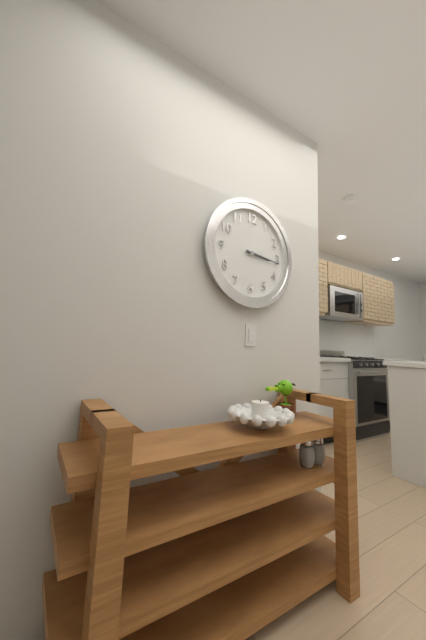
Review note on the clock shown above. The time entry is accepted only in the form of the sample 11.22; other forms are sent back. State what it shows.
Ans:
3.16
